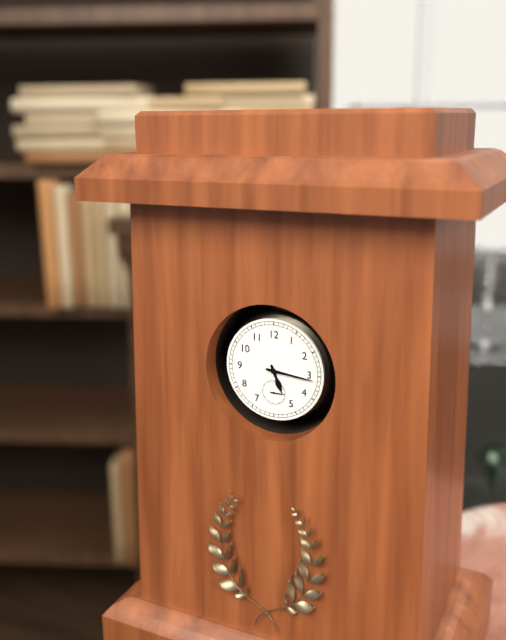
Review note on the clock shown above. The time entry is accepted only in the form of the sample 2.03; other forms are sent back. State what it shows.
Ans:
5.16
